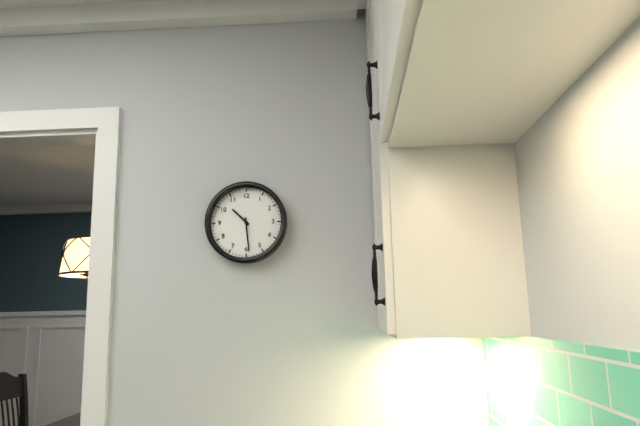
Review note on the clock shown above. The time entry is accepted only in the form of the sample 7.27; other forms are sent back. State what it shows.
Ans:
10.29
